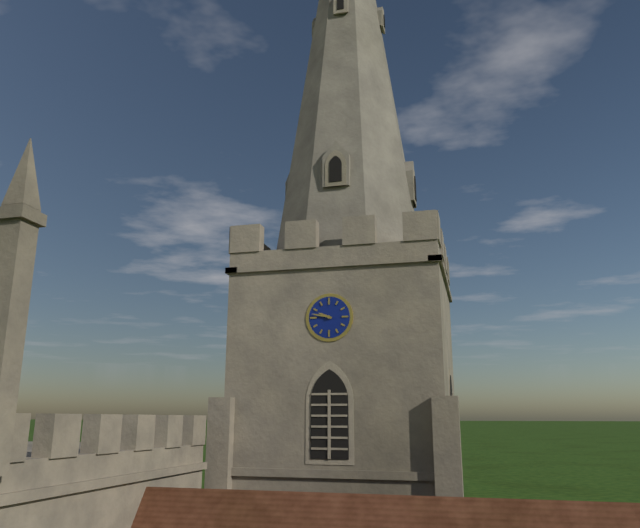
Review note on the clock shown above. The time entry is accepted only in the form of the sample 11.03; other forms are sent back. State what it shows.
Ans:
9.47
